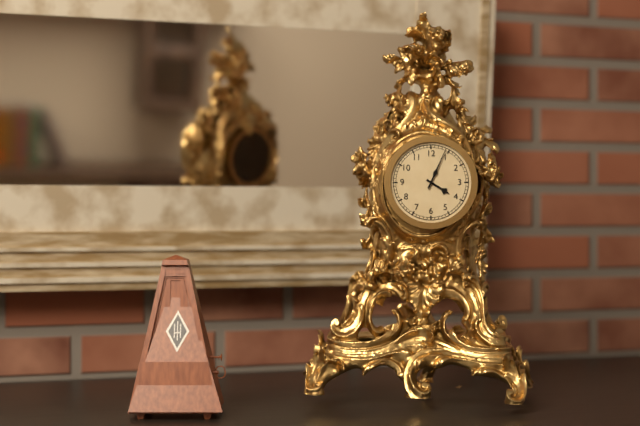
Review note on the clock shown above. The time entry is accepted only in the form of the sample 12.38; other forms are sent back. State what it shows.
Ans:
4.04
